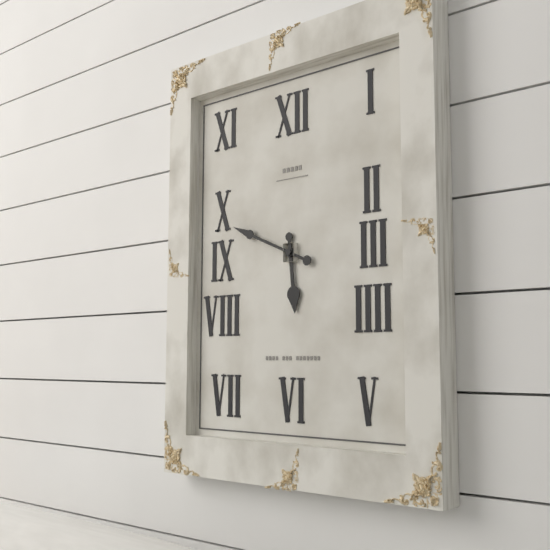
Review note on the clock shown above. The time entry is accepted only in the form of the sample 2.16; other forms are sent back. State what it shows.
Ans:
5.49
